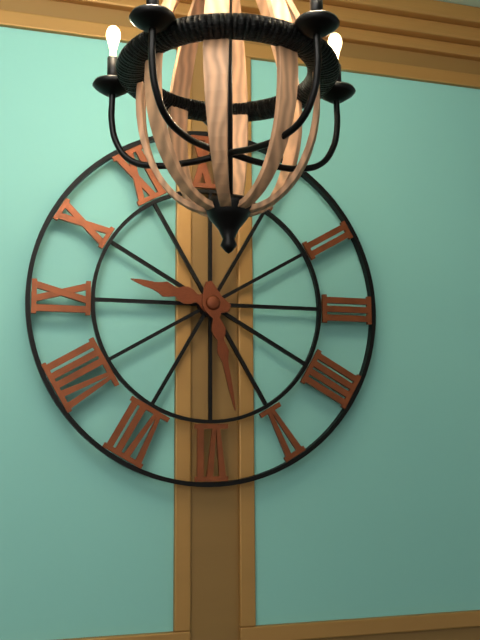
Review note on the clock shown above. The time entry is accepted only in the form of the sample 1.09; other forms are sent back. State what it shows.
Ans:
9.28
